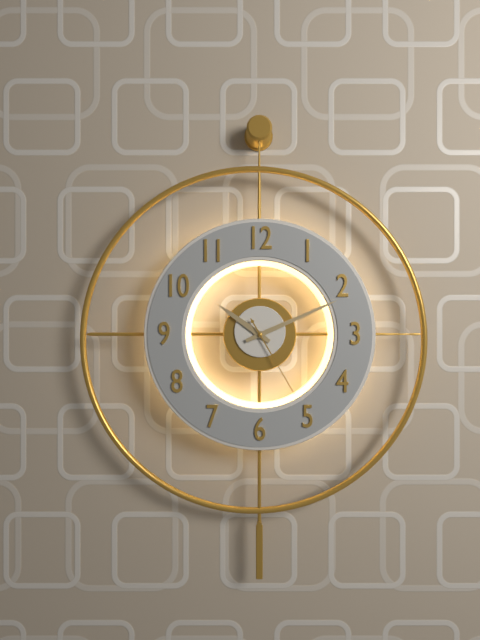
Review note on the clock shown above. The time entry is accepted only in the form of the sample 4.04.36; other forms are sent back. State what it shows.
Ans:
10.11.25
